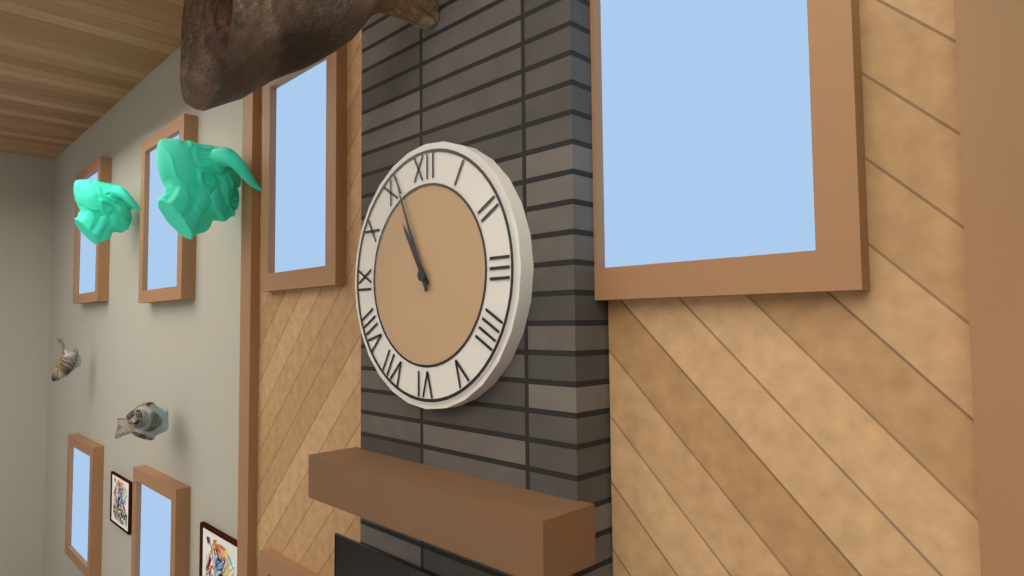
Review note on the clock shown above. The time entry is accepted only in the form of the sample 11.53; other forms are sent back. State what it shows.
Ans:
10.56
